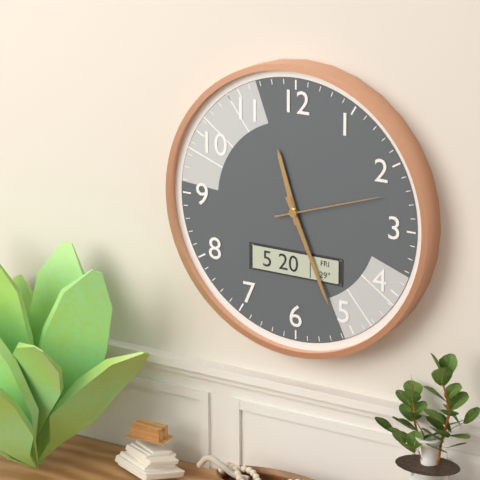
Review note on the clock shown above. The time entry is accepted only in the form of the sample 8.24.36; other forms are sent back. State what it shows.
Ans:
11.26.12
